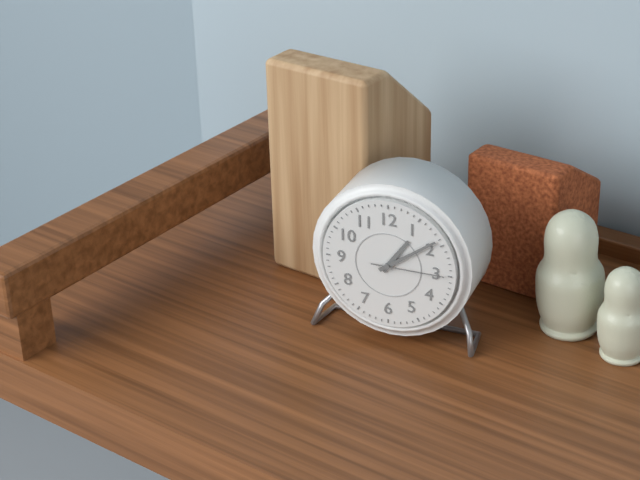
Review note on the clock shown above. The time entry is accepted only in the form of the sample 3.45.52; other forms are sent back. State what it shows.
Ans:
1.09.15
